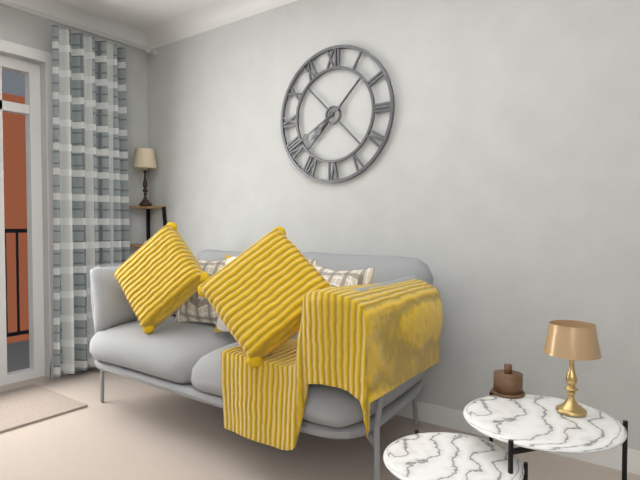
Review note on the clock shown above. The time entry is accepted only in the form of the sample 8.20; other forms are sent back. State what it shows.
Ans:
7.40
